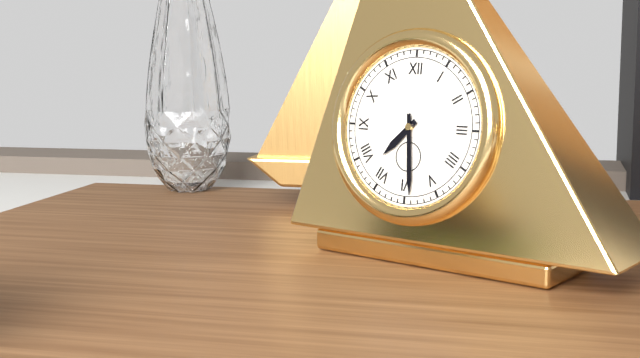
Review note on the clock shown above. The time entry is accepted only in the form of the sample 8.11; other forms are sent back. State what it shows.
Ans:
7.29
